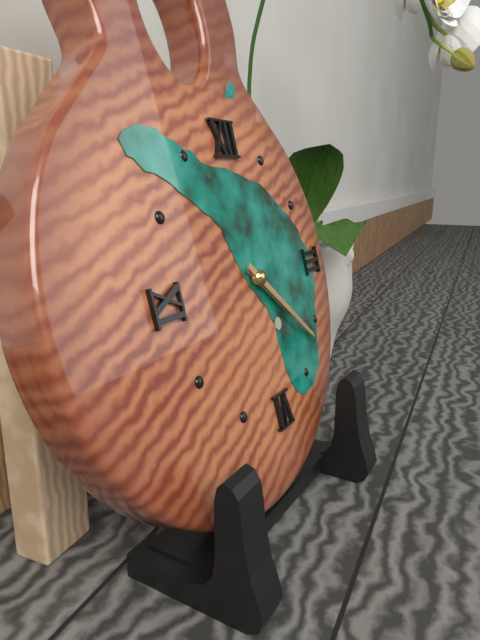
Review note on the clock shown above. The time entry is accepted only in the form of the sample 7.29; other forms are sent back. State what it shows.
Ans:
4.22
